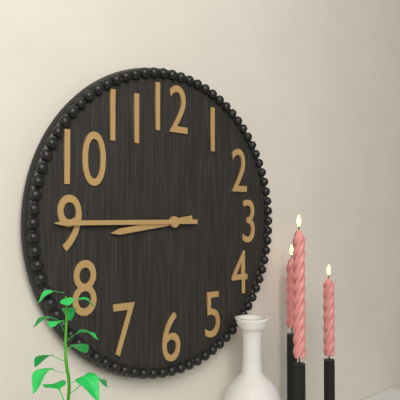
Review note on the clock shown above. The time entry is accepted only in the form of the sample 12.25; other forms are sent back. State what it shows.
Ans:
8.45
